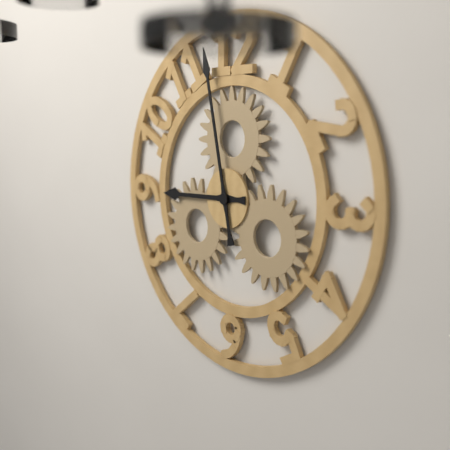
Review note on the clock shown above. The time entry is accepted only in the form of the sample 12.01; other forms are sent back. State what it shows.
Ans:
8.58
